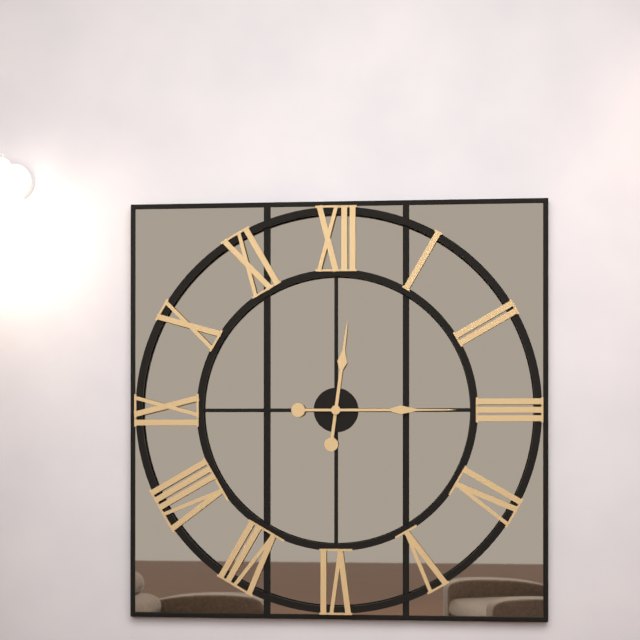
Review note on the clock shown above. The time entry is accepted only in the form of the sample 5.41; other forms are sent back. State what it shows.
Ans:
12.15
